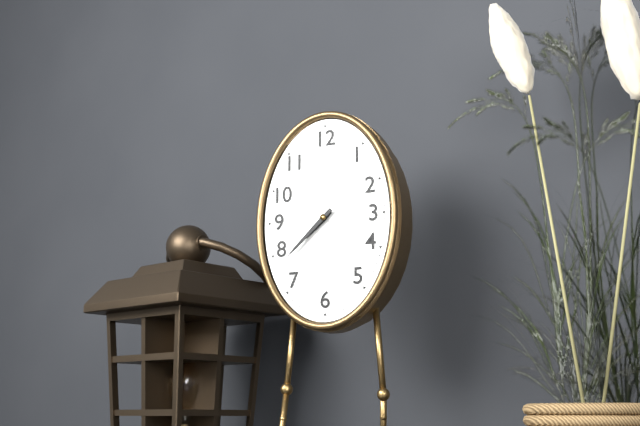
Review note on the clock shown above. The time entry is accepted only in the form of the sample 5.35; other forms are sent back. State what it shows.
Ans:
7.38
